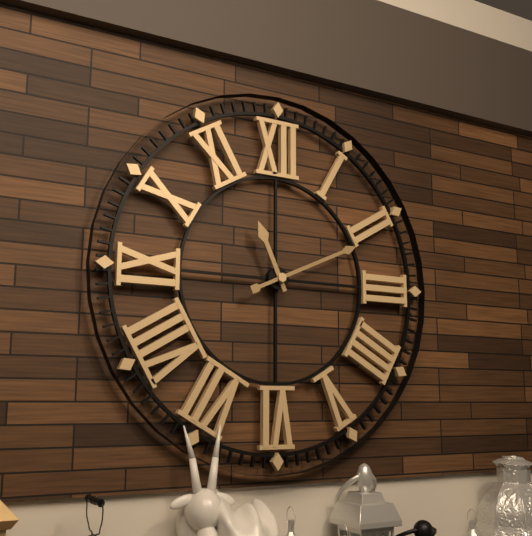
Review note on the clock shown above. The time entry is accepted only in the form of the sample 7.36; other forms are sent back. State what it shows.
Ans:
11.11
